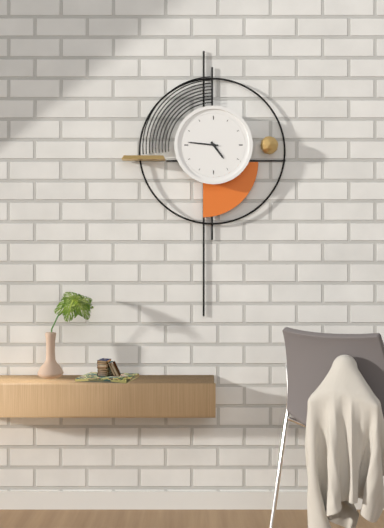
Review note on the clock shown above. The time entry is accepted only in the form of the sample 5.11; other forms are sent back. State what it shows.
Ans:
4.46
